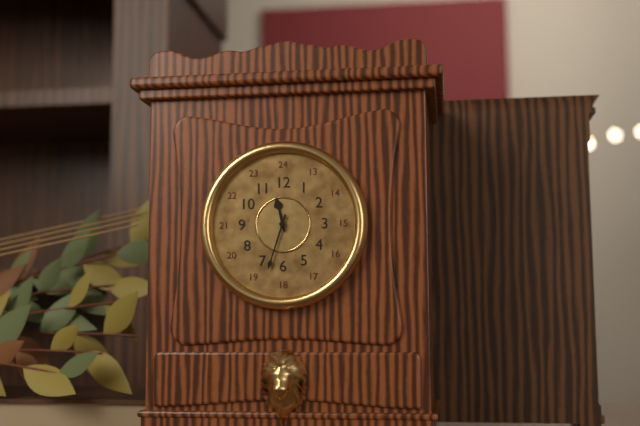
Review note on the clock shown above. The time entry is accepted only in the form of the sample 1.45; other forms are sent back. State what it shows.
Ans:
11.33
